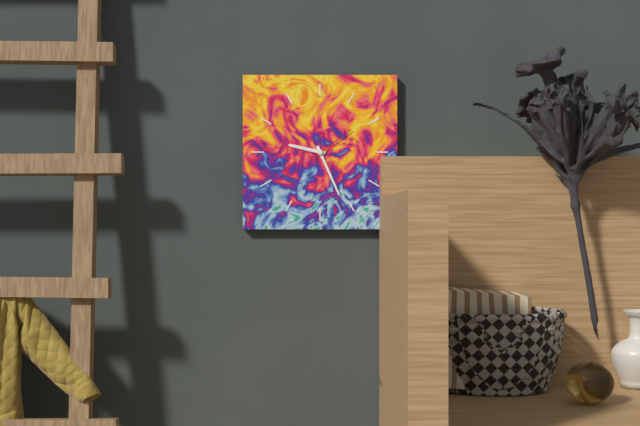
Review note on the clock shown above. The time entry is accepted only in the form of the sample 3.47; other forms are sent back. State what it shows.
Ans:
9.26
